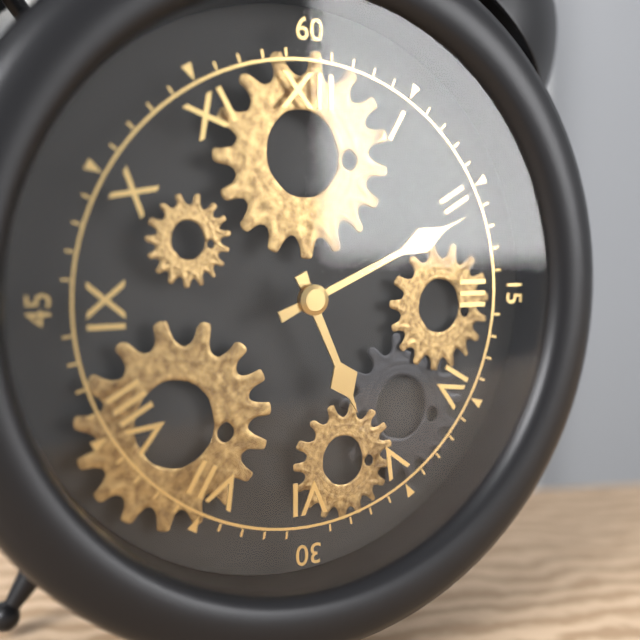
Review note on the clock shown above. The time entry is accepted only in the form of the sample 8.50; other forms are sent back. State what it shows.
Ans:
5.11
